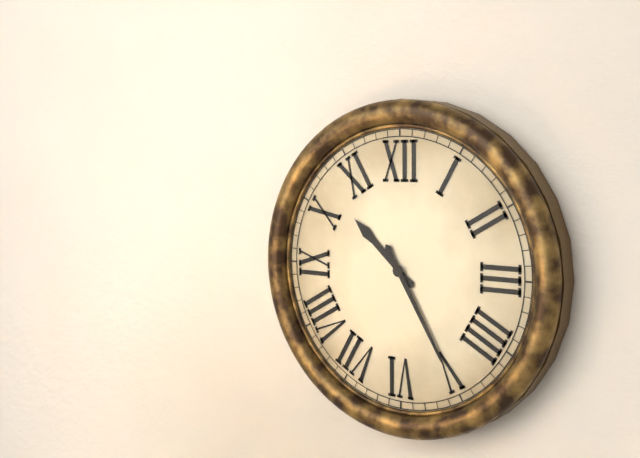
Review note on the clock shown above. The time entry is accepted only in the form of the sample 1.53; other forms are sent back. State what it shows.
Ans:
10.25
